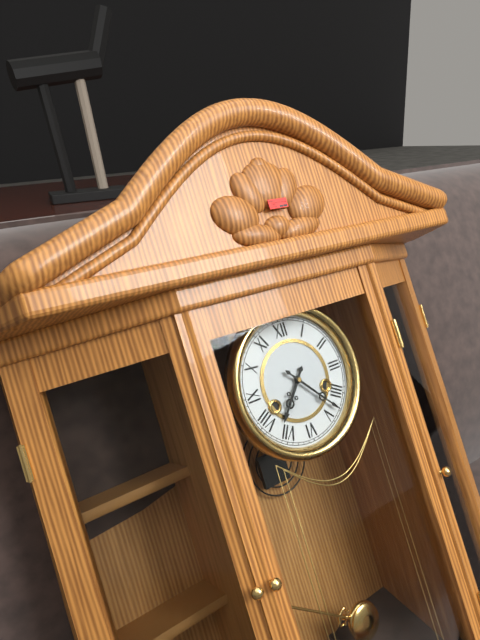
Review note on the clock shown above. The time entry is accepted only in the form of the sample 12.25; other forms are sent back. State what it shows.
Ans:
7.23
